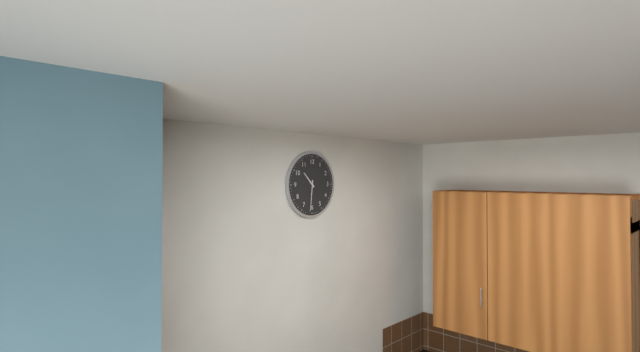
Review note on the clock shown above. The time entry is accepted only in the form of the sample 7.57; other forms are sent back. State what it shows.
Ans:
10.31
